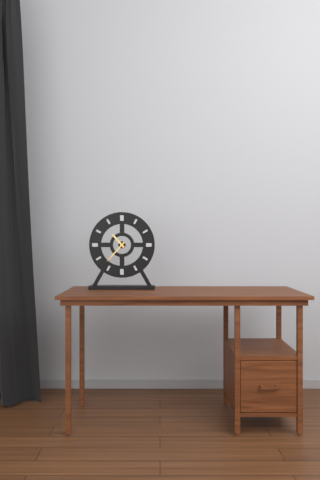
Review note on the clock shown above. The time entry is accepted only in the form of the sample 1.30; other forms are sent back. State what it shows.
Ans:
10.37
